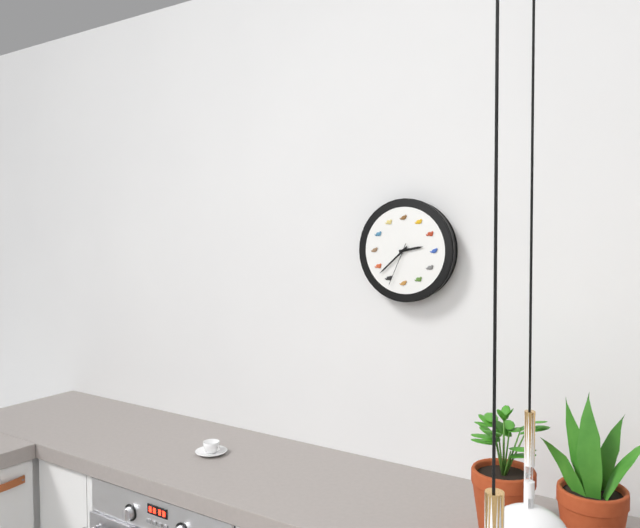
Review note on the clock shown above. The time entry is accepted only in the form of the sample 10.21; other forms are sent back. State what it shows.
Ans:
2.38
